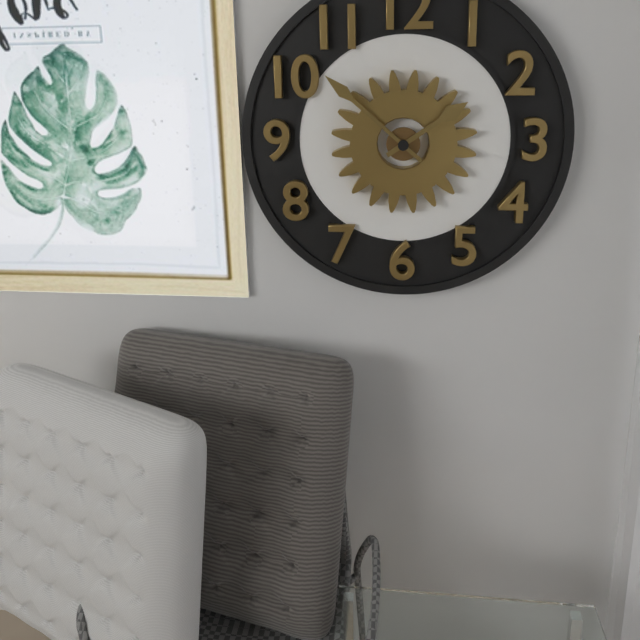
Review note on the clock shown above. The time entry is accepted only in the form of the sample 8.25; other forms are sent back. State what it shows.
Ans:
1.52
